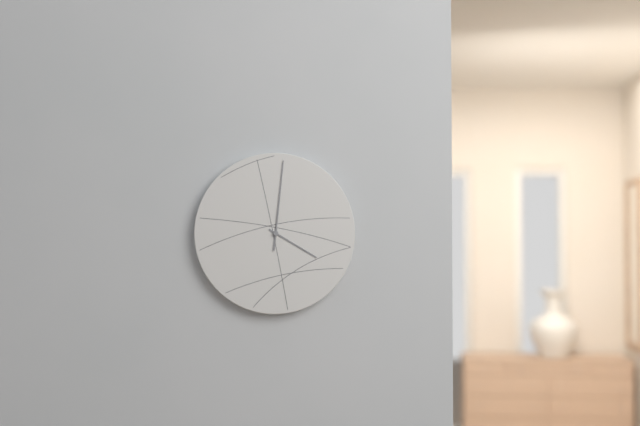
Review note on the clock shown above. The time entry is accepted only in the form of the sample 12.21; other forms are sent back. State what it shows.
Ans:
4.01
